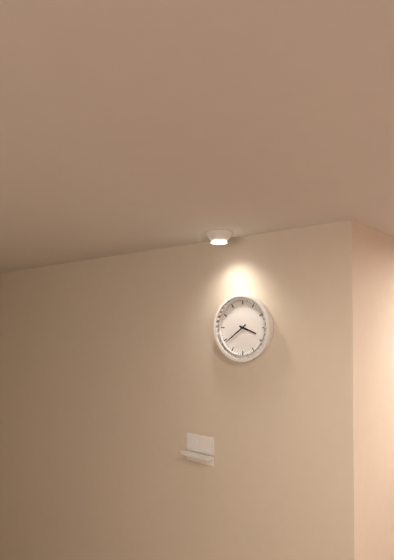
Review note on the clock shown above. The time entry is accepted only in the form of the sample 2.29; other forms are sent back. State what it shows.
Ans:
3.39
